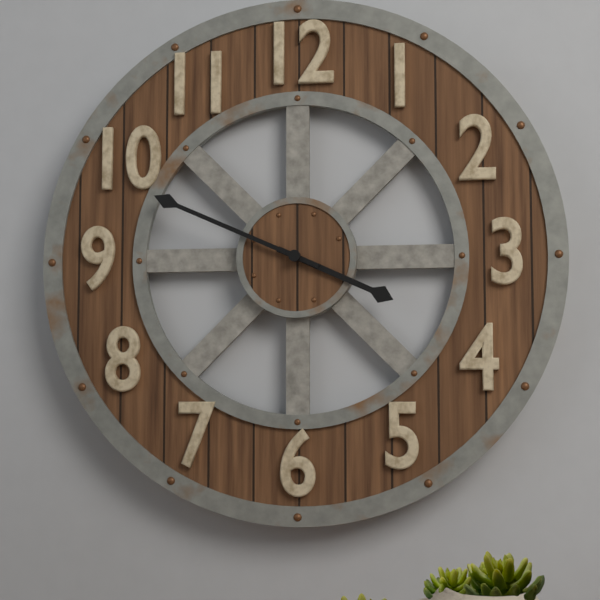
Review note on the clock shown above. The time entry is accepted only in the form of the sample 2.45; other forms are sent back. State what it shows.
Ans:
3.49
